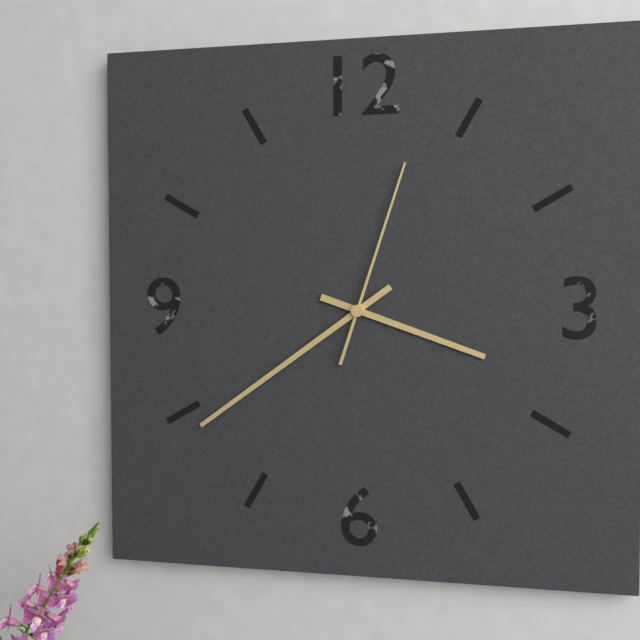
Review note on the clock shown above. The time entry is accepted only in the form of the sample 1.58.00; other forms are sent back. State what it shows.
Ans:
3.39.03
